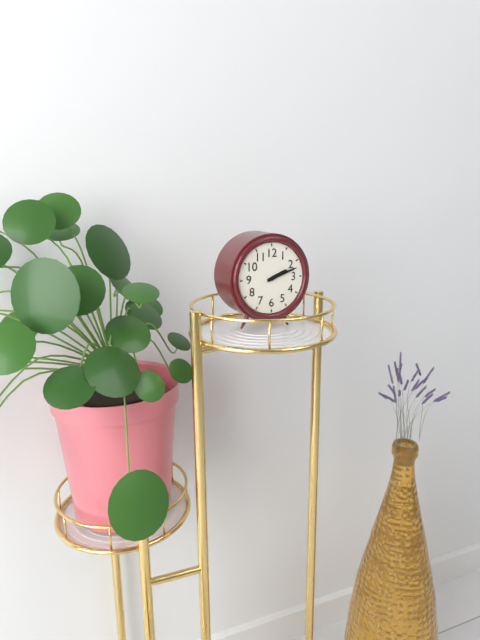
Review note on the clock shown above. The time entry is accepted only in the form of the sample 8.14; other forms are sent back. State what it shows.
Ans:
2.12
